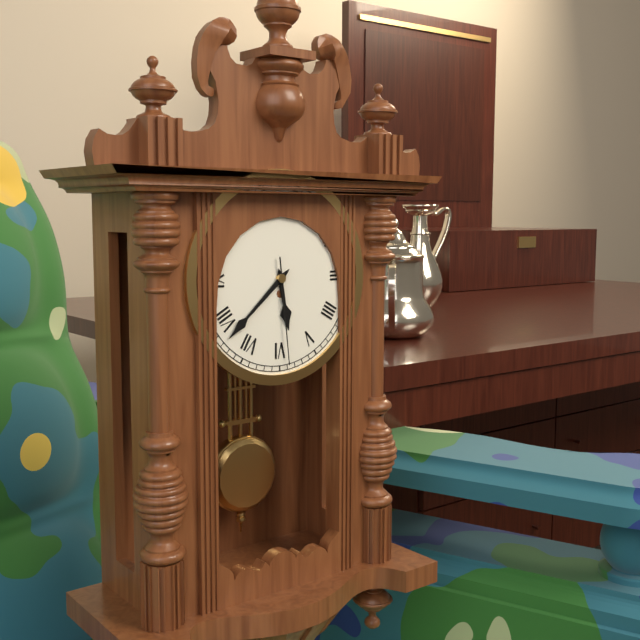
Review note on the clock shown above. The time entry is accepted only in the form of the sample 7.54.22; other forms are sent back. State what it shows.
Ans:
5.38.29
